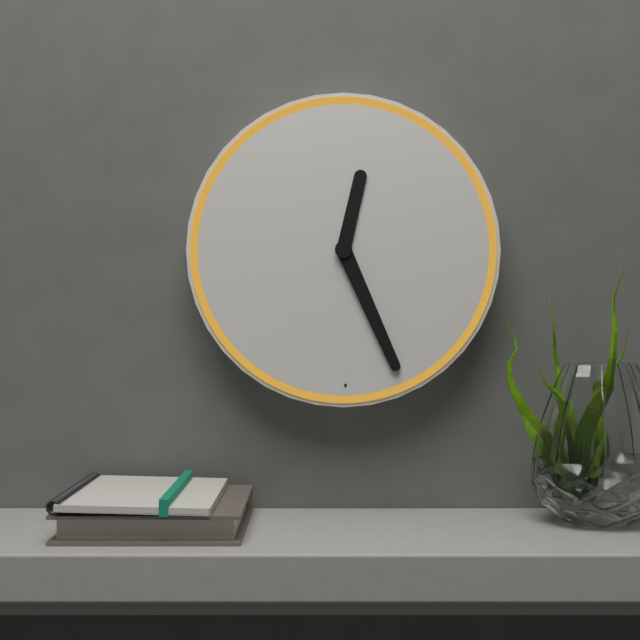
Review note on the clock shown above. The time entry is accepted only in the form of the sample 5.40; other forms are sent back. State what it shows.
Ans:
12.26
